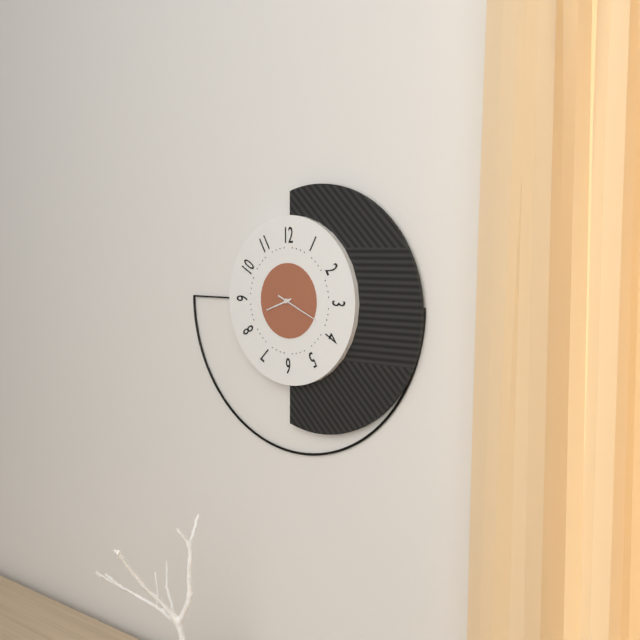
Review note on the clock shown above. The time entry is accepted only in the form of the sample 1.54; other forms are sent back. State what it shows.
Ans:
8.19
